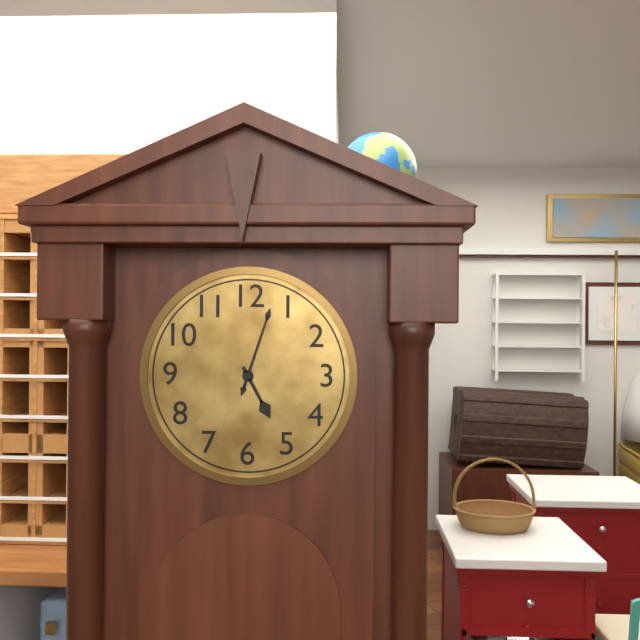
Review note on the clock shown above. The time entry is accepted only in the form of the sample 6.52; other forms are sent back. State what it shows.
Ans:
5.03
